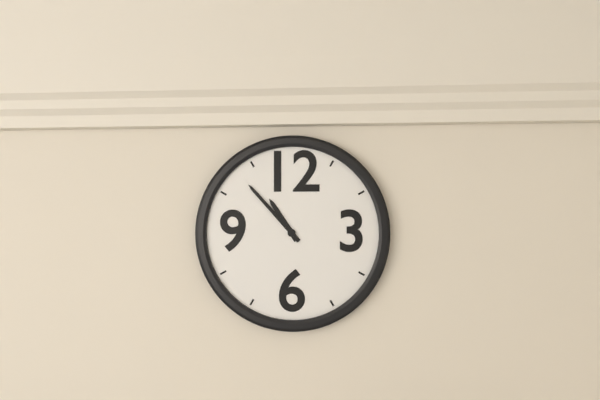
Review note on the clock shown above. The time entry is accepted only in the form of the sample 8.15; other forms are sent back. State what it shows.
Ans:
10.53
